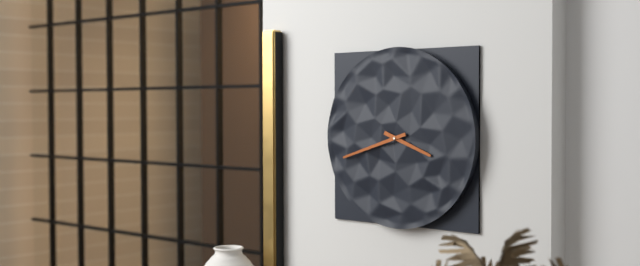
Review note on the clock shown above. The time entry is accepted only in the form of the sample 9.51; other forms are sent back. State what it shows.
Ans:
3.42
